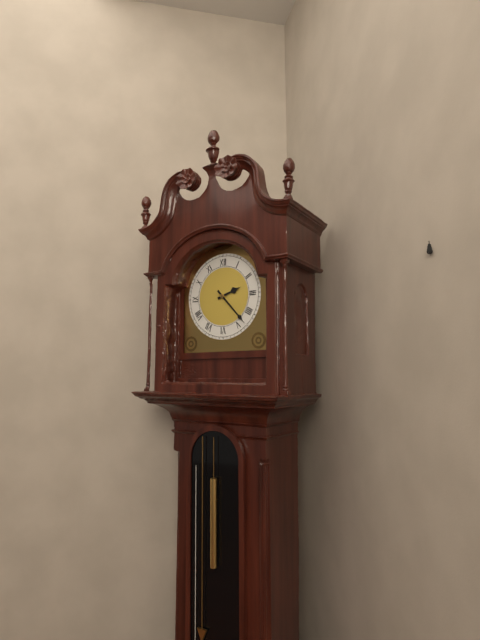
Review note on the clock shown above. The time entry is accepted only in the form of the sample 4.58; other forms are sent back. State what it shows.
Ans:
2.23
